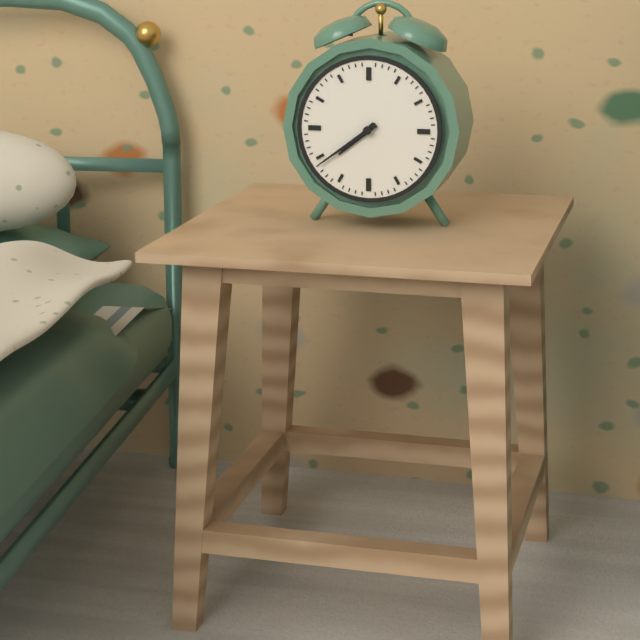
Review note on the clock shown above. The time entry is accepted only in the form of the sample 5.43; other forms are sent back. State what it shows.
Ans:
7.39
